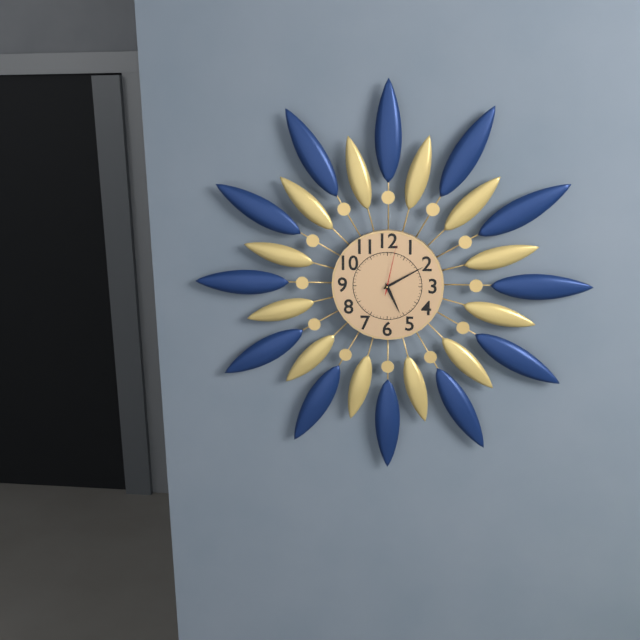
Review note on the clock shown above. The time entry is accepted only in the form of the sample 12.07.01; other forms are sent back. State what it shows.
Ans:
5.10.02
